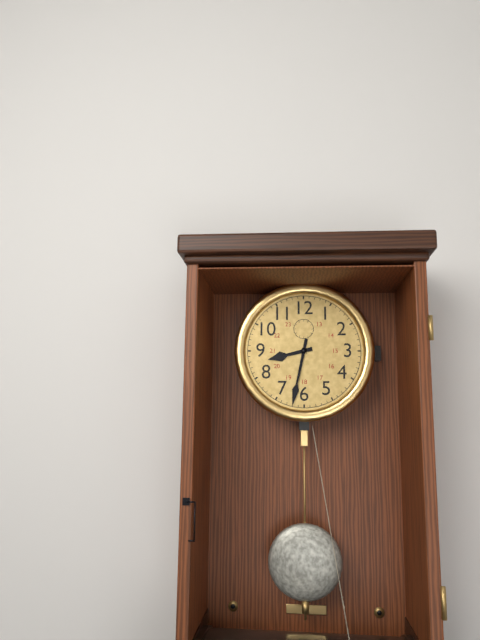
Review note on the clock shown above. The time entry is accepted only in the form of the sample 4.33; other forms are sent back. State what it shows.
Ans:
8.32
